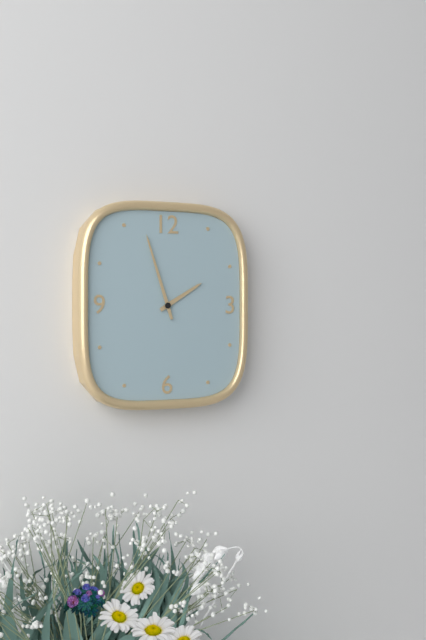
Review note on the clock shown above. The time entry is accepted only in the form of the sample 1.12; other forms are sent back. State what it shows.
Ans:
1.57
